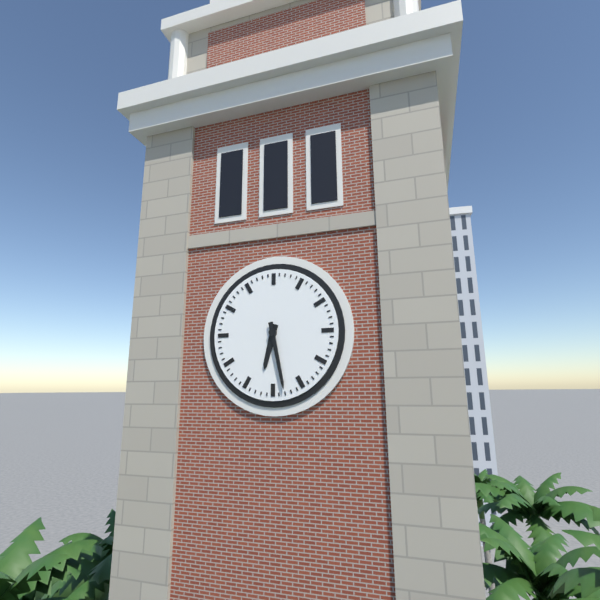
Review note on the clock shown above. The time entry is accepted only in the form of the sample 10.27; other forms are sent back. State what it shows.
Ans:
6.28
